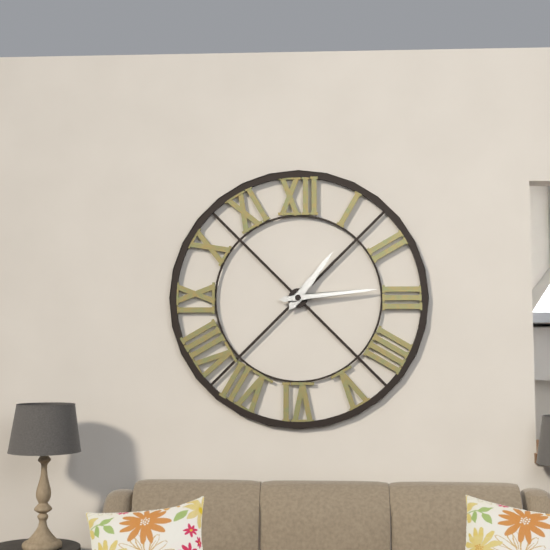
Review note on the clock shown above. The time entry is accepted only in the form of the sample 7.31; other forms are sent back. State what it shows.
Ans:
1.14
